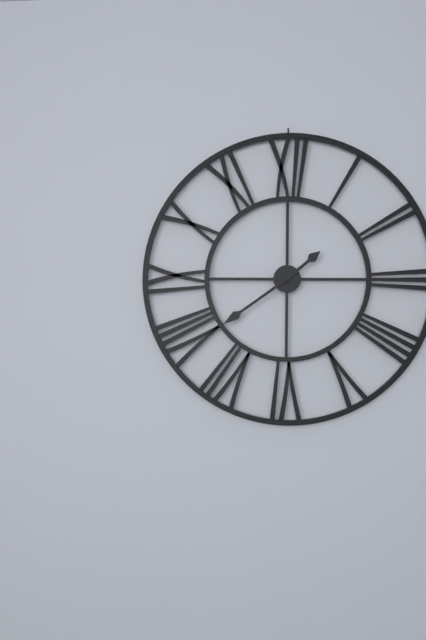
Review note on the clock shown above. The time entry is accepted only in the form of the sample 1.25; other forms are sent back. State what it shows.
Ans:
1.39
